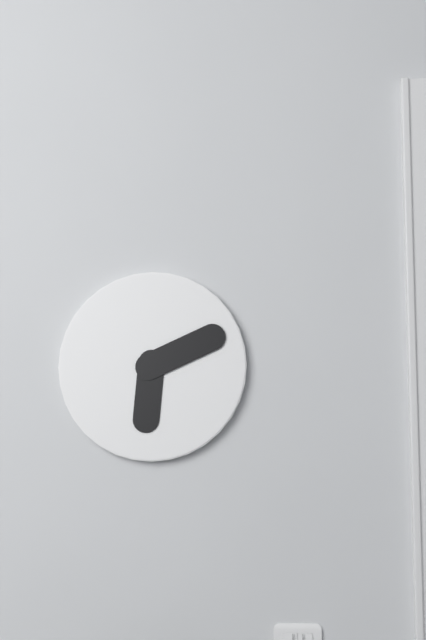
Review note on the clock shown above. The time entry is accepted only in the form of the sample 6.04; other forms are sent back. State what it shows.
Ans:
6.11
